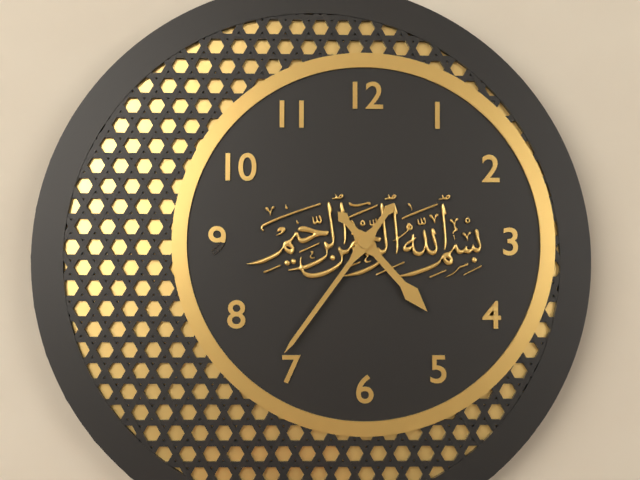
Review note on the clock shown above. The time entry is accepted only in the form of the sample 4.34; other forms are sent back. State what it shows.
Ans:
4.36
